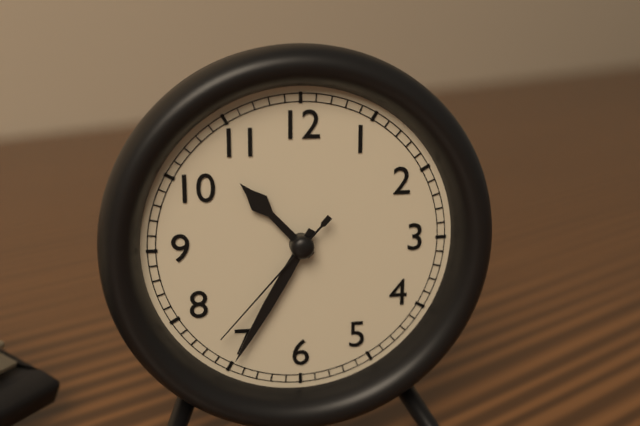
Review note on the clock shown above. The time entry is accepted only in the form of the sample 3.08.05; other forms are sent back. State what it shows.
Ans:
10.35.37
